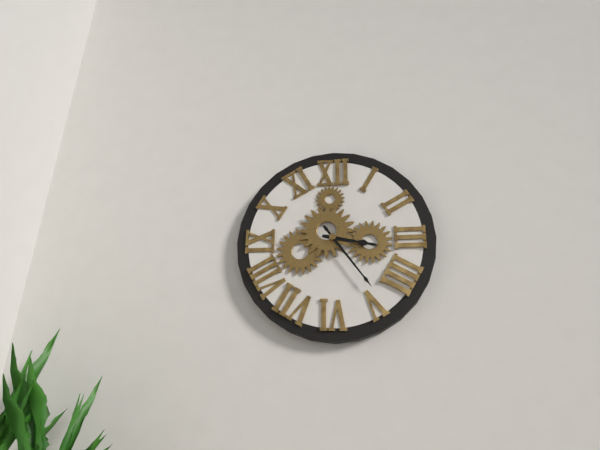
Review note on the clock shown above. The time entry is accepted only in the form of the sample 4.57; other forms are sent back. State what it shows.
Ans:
3.24
